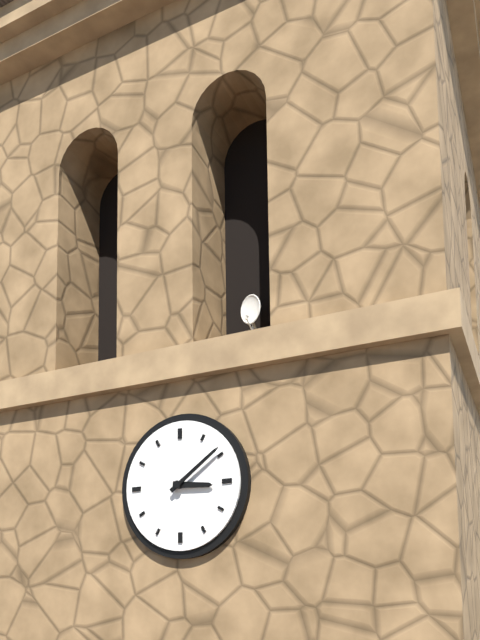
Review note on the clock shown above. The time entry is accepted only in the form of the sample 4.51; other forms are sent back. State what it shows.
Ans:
3.09
